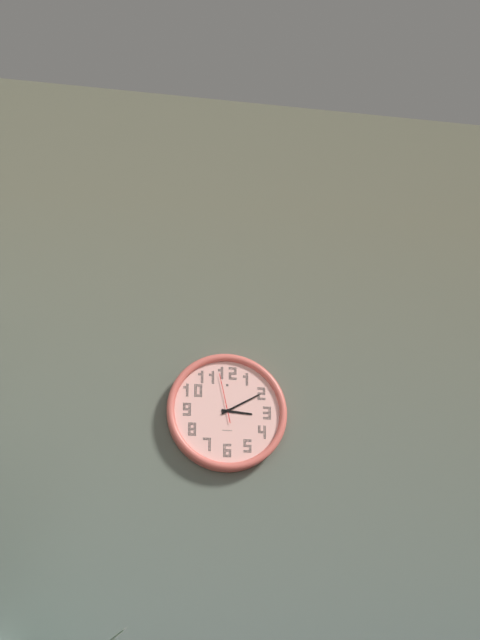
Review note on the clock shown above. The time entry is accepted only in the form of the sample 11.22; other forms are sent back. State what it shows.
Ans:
3.10
